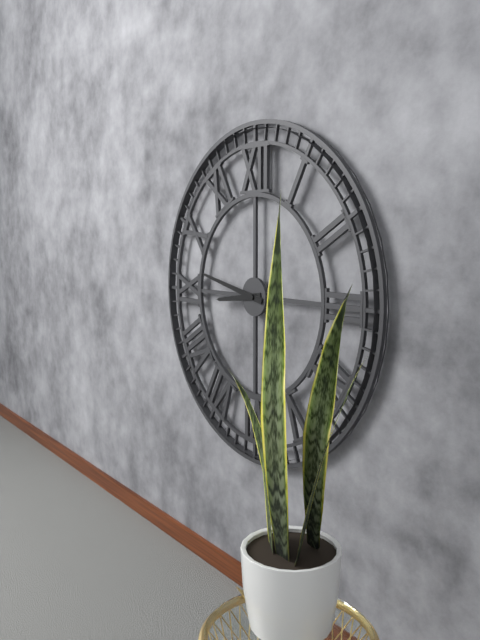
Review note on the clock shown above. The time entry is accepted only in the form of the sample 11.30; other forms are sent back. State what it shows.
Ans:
8.47
